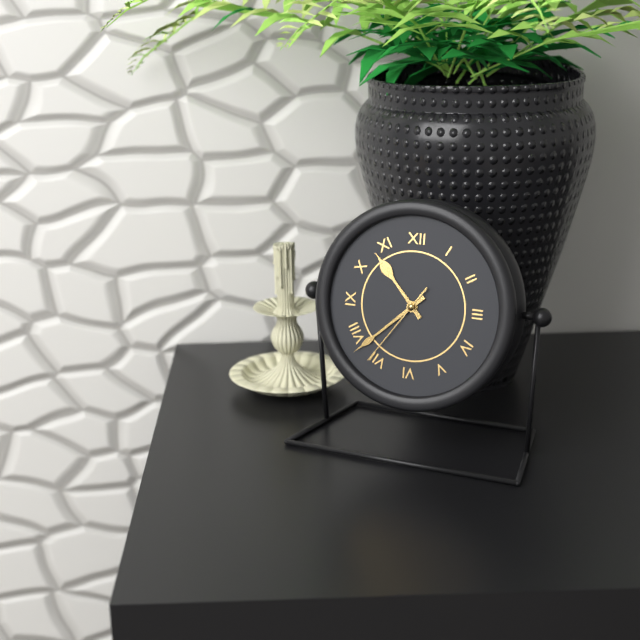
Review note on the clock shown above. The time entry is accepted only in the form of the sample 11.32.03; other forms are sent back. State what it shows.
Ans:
10.38.36
